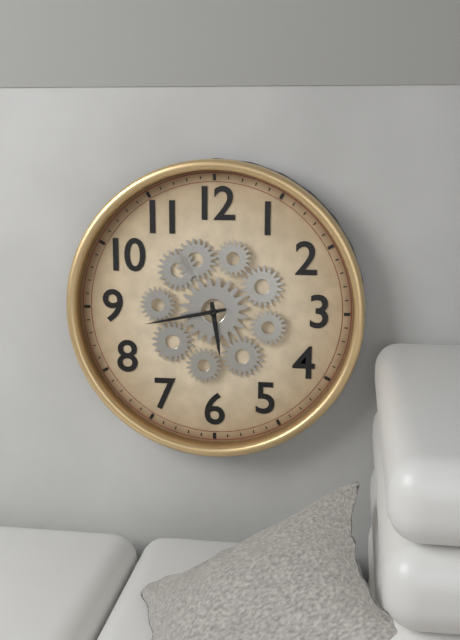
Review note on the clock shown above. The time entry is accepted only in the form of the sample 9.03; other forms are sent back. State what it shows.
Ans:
5.43
